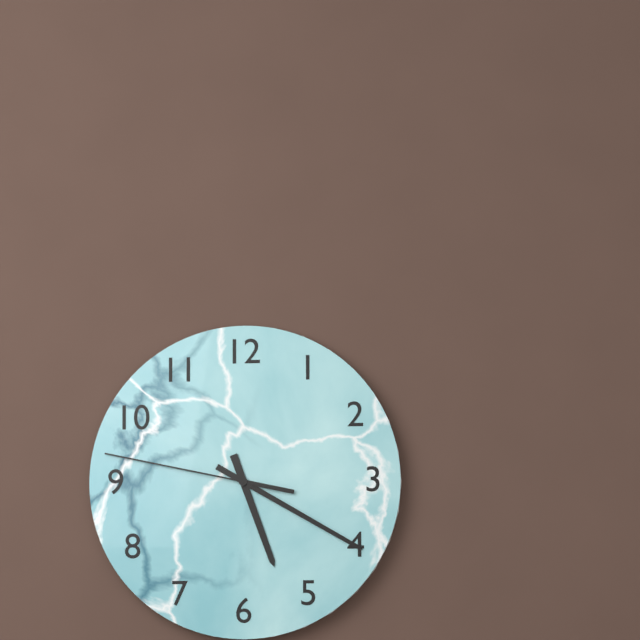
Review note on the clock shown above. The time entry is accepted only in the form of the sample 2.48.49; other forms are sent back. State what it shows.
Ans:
5.20.47
